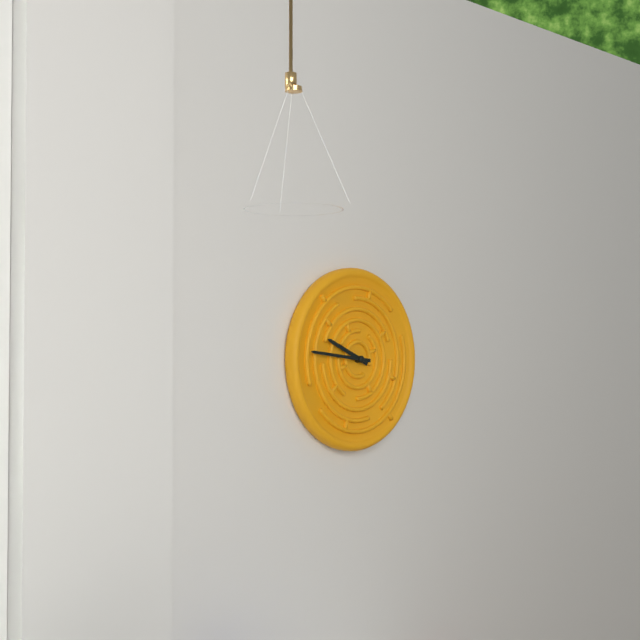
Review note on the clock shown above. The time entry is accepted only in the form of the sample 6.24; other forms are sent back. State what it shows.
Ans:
9.46
